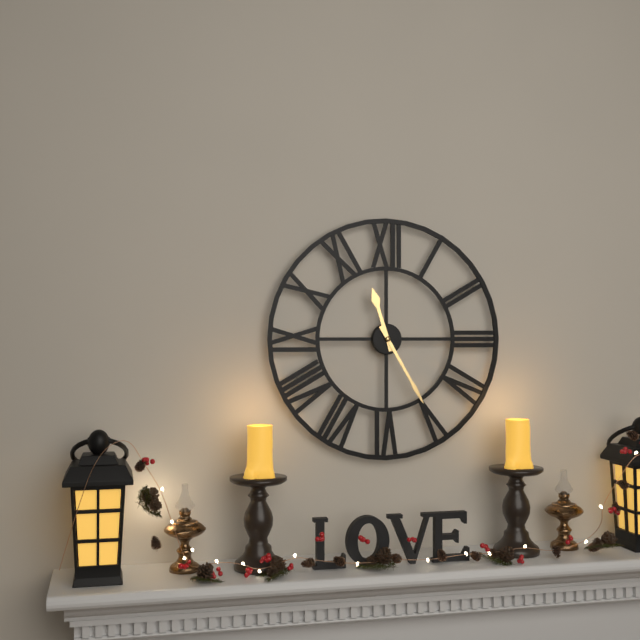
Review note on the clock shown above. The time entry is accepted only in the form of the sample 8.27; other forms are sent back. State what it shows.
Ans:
11.25
